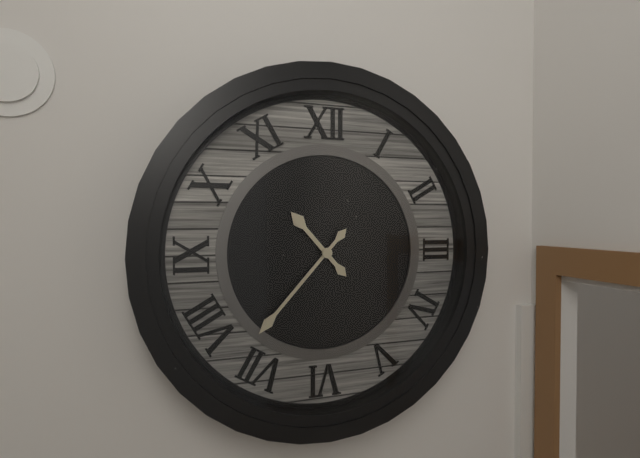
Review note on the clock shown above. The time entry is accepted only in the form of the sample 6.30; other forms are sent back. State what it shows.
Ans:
10.37
